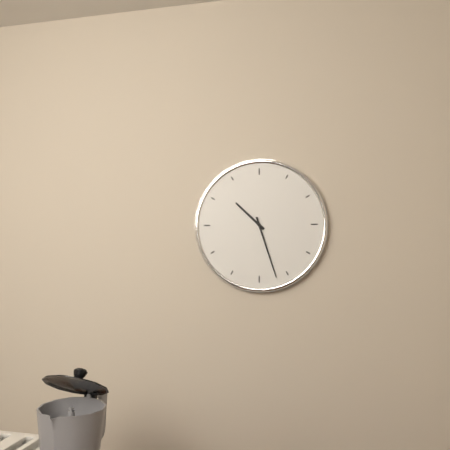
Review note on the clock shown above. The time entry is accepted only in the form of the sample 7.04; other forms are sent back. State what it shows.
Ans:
10.27
